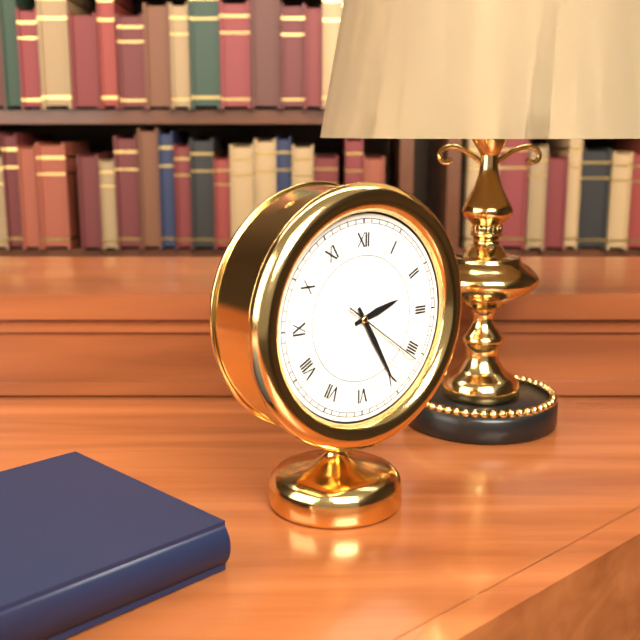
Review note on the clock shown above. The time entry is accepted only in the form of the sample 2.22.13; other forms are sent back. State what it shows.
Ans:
2.25.21
